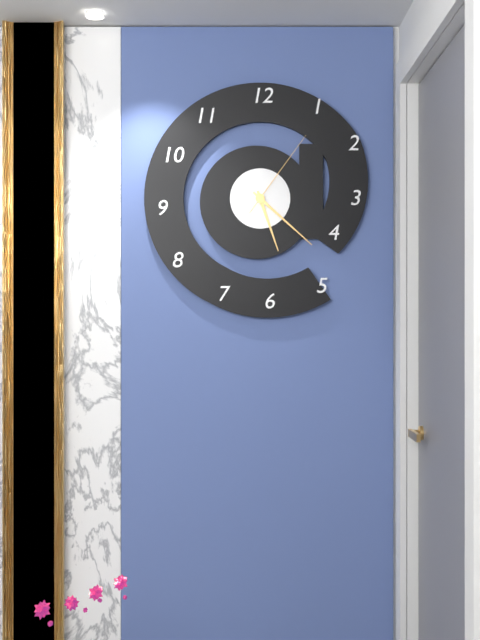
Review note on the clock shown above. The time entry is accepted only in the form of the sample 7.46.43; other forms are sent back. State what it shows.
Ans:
5.22.06
